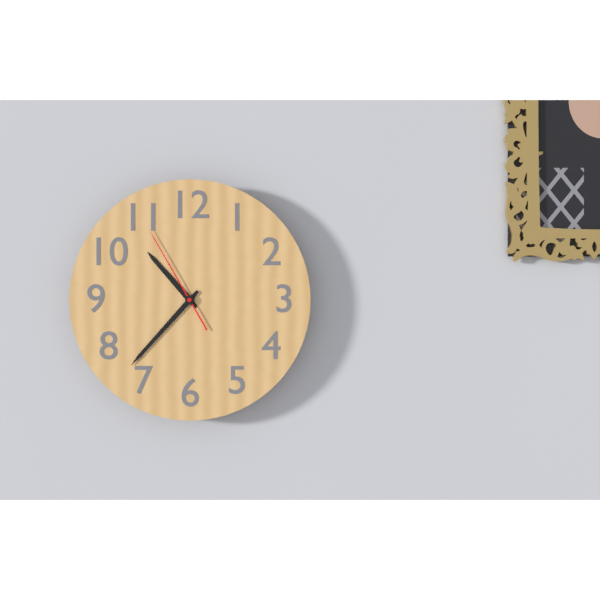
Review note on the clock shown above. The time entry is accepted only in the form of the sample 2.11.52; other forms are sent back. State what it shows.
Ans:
10.37.55
